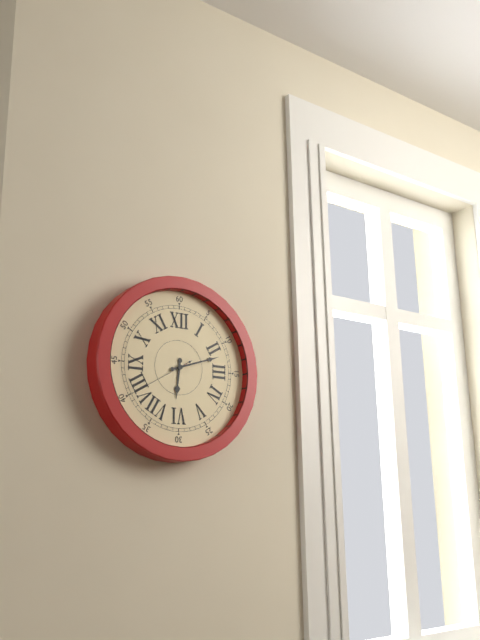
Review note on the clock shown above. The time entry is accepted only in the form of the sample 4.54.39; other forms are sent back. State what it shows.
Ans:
6.12.40
